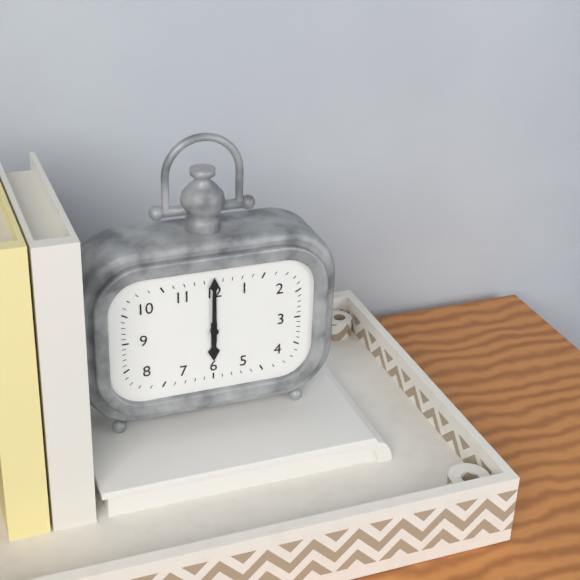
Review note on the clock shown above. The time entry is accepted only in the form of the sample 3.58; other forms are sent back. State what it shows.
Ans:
6.00
